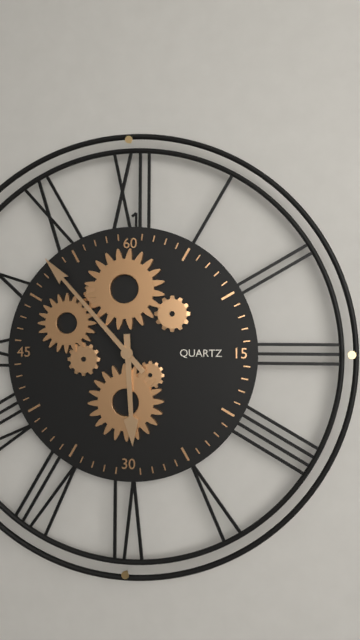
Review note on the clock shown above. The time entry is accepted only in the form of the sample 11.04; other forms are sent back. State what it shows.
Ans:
5.53
